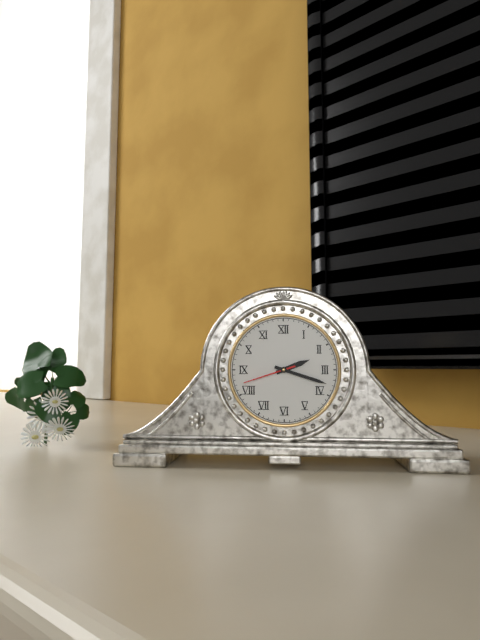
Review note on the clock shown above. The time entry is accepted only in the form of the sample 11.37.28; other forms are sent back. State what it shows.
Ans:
2.18.42
